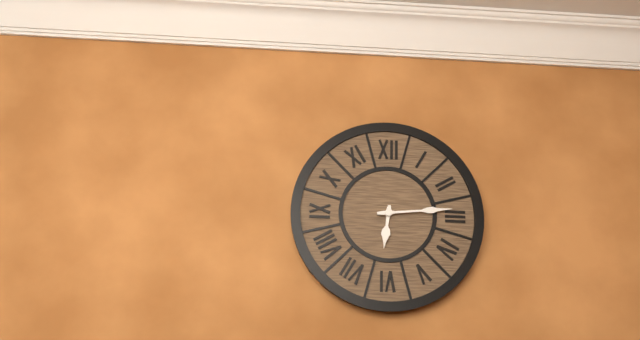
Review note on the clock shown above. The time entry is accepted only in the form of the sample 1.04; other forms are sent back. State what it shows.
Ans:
6.14
